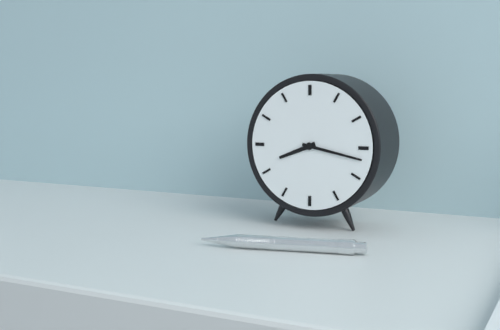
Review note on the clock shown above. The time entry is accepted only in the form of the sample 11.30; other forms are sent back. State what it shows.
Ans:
8.17
